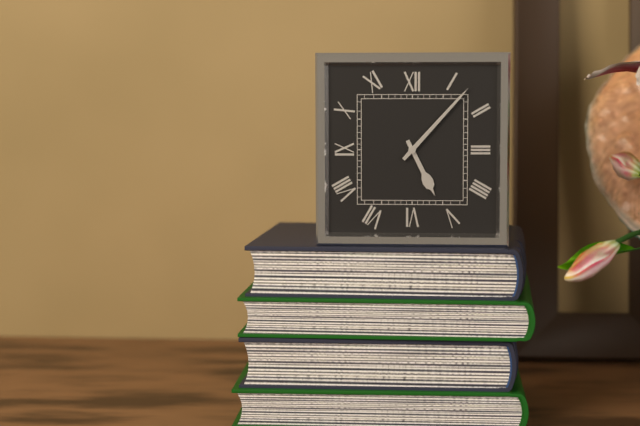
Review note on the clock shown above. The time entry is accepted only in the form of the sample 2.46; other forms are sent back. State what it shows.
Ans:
5.07
